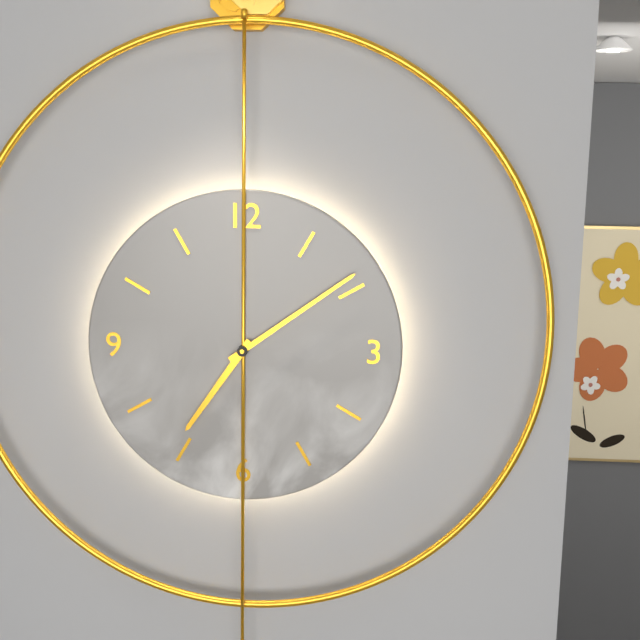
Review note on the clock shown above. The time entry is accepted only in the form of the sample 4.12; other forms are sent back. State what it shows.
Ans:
7.09
